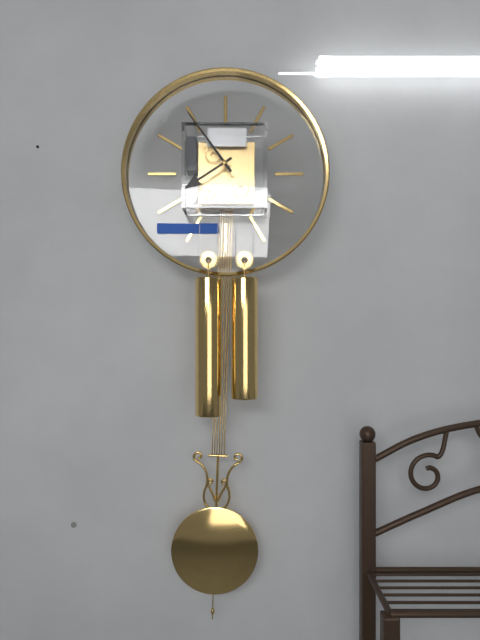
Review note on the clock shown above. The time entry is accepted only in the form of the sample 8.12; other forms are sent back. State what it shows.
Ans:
7.54
